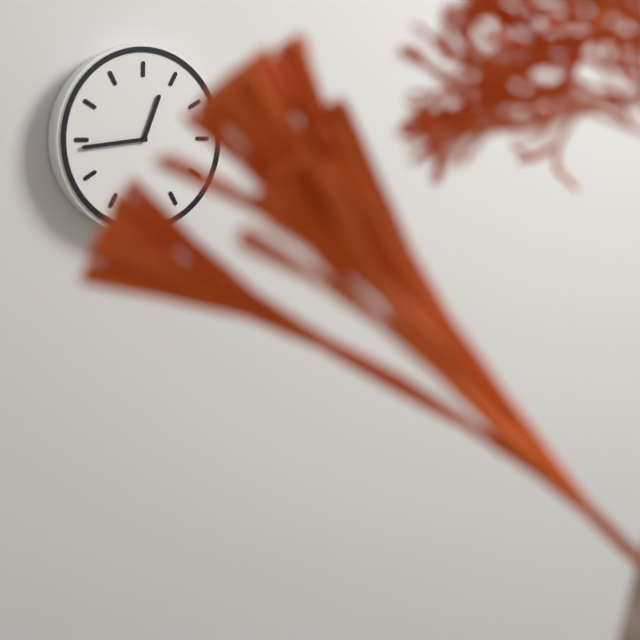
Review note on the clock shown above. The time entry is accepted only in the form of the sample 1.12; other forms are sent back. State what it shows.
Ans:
12.44
